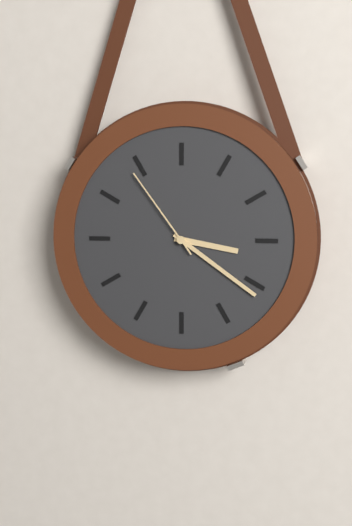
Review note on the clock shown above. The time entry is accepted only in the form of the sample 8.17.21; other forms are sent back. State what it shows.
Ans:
3.21.54
